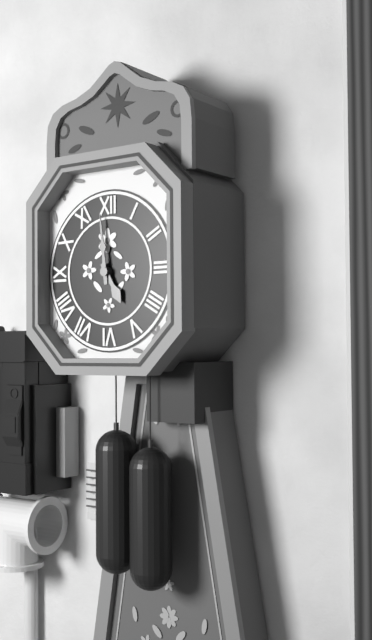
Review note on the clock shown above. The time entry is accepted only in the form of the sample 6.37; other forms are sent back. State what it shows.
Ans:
4.59
